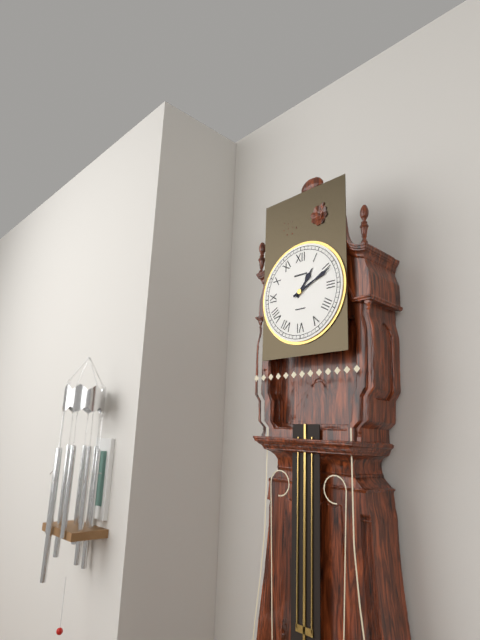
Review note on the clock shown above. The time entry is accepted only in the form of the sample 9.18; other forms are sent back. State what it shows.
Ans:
1.11
